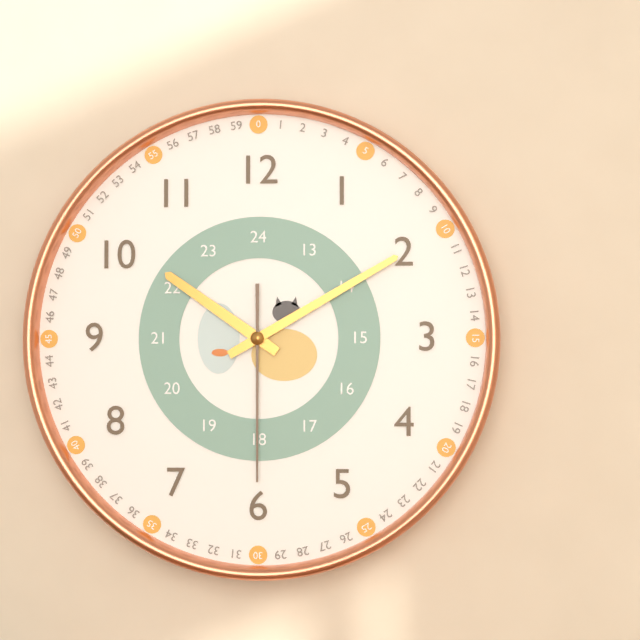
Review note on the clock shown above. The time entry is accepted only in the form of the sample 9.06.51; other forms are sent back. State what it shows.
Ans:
10.10.30
